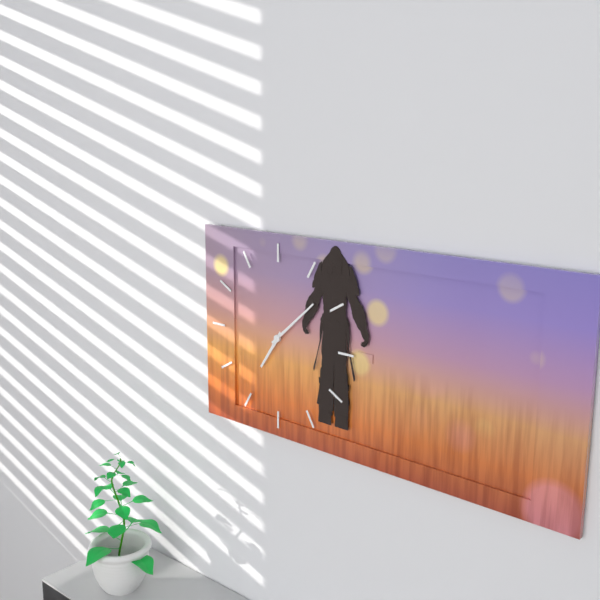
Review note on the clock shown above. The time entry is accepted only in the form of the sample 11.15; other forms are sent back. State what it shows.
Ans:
7.08
